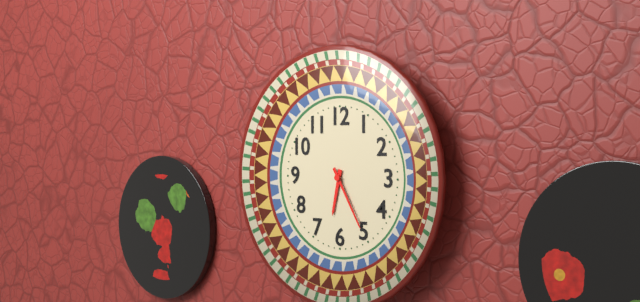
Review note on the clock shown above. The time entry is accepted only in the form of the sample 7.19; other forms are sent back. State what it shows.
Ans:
6.25
